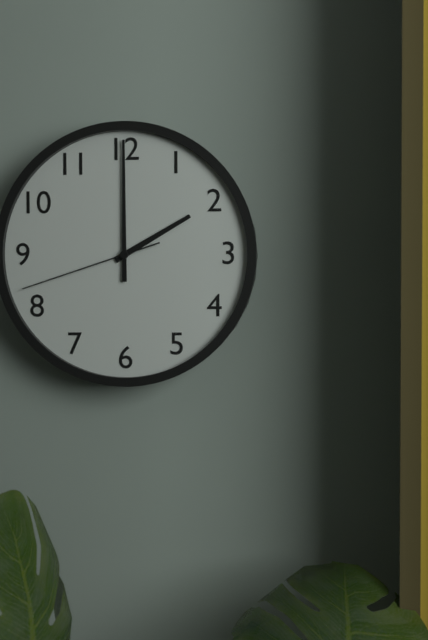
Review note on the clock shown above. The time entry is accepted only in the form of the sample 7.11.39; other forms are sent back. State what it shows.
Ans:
2.00.42
